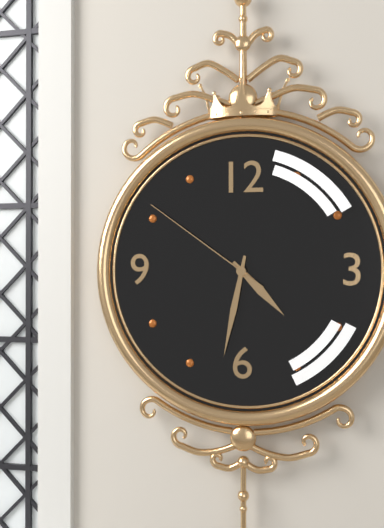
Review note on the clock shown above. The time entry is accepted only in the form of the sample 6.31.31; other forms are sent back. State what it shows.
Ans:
4.32.51
